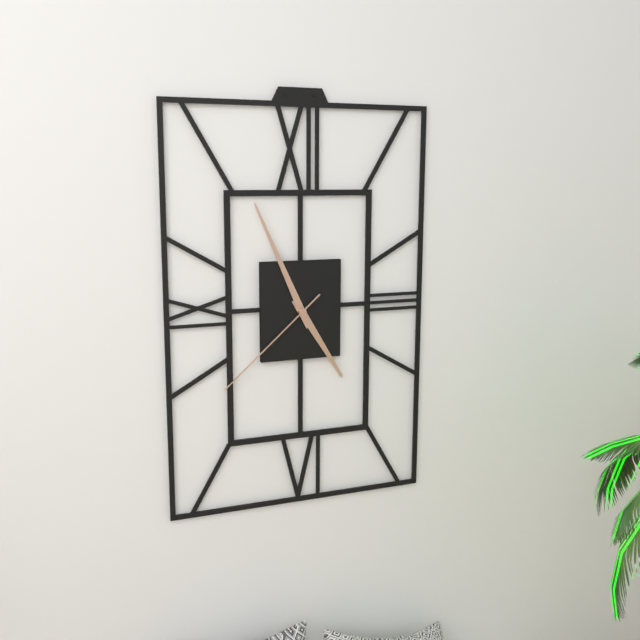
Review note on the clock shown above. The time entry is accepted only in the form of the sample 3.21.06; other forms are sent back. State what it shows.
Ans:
4.56.38
